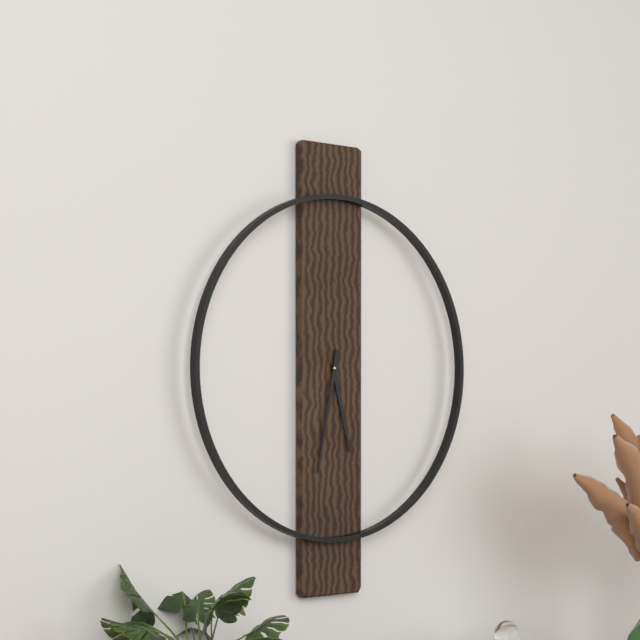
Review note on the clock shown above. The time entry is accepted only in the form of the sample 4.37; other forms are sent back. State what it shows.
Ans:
5.32
